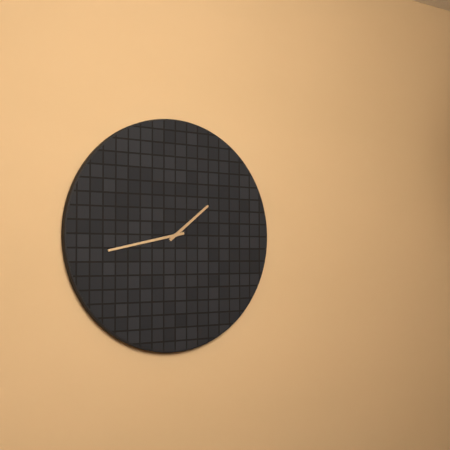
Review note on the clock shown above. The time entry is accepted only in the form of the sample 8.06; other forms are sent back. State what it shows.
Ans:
1.43
